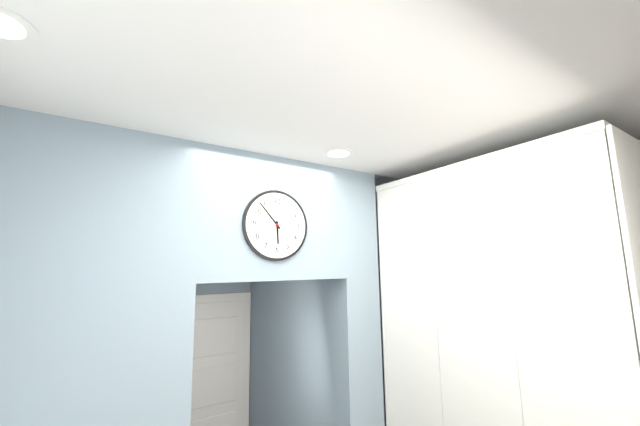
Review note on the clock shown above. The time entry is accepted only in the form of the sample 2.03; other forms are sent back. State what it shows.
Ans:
5.53
